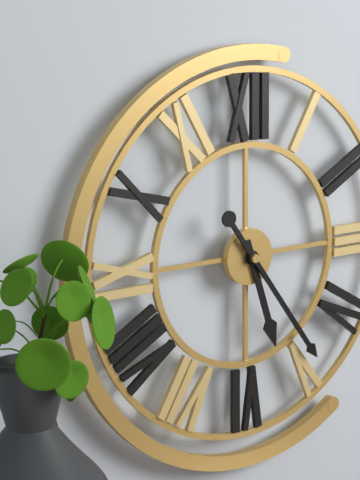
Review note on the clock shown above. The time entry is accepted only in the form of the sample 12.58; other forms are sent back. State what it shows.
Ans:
5.24
